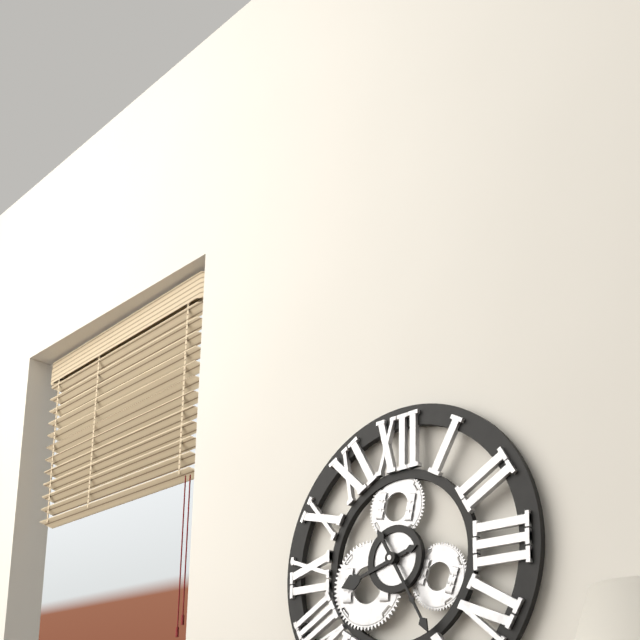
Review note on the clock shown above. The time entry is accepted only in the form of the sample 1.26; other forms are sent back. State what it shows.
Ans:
8.25
